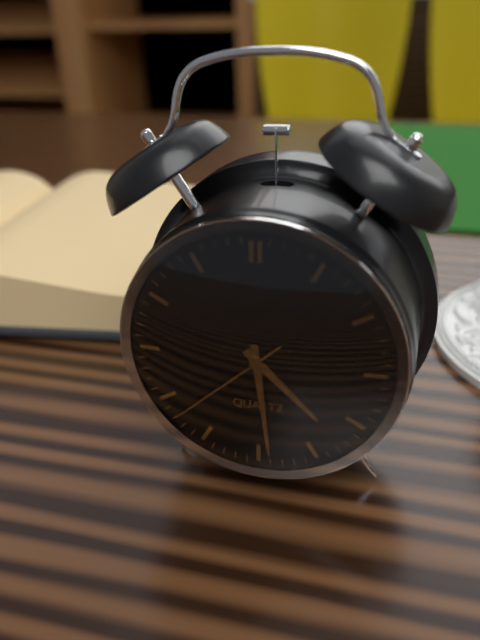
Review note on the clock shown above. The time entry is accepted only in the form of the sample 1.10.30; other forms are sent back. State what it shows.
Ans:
4.29.38
